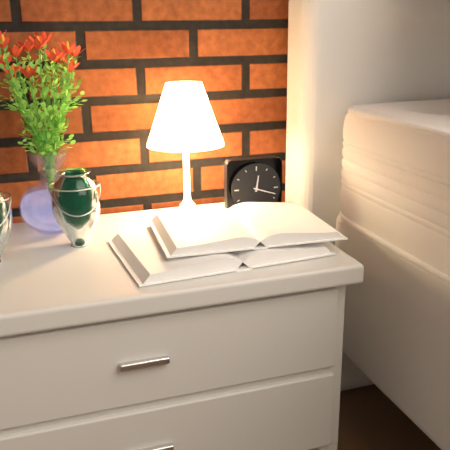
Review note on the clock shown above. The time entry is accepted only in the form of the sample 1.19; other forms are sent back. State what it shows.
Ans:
12.18
